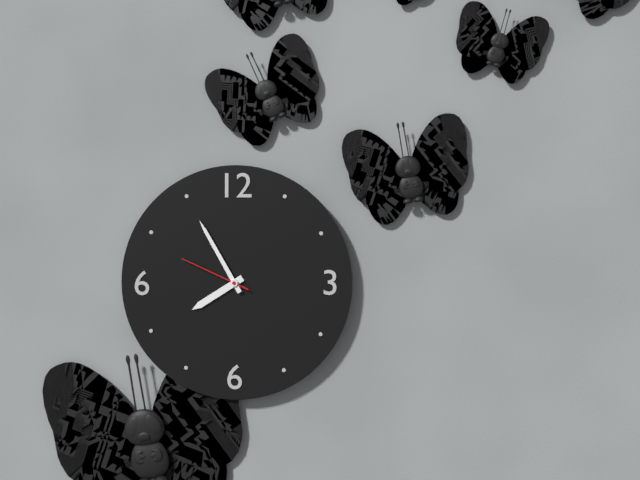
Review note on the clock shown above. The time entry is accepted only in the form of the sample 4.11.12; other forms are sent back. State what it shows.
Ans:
7.55.49
